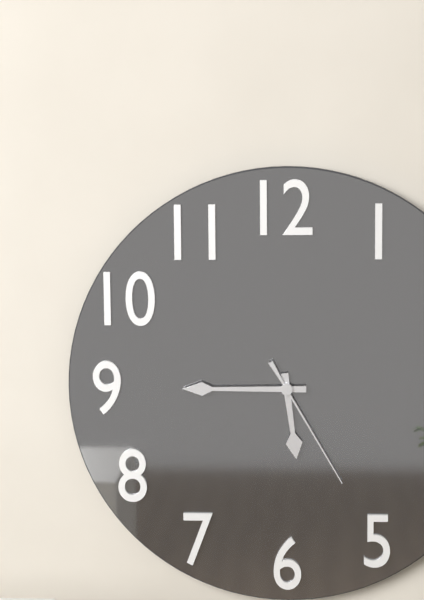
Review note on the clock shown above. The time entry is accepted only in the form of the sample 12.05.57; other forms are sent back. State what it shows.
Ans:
5.45.25
